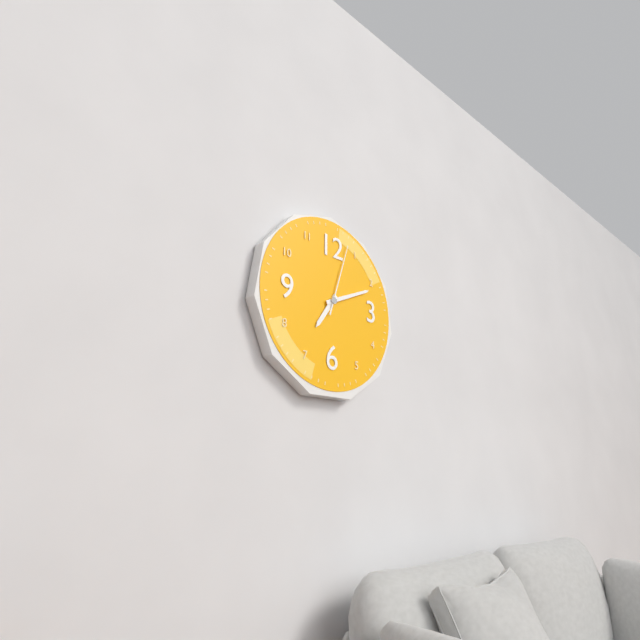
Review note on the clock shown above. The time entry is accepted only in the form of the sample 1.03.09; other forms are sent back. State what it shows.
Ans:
7.11.03
